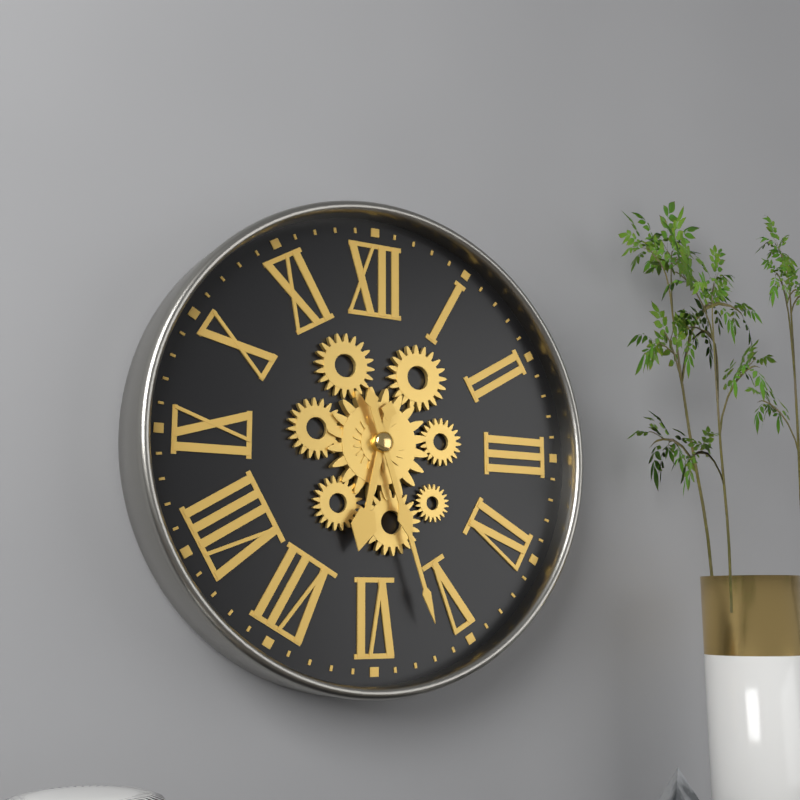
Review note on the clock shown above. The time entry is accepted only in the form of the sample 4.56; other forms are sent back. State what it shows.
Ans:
6.27
